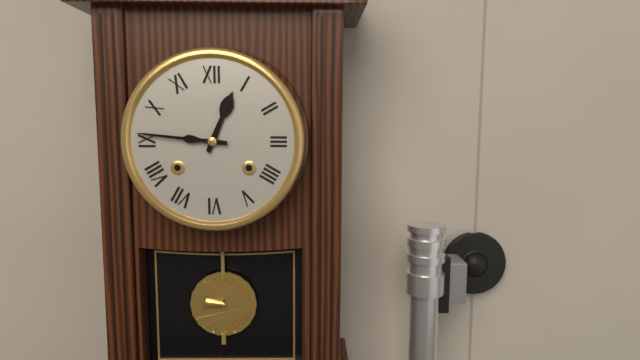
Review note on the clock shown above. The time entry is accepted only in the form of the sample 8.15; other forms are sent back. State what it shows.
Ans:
12.46
